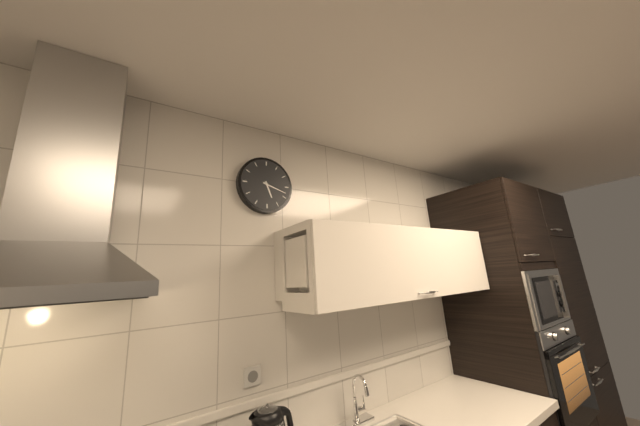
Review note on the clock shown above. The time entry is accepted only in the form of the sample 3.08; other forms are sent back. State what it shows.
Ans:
5.18
